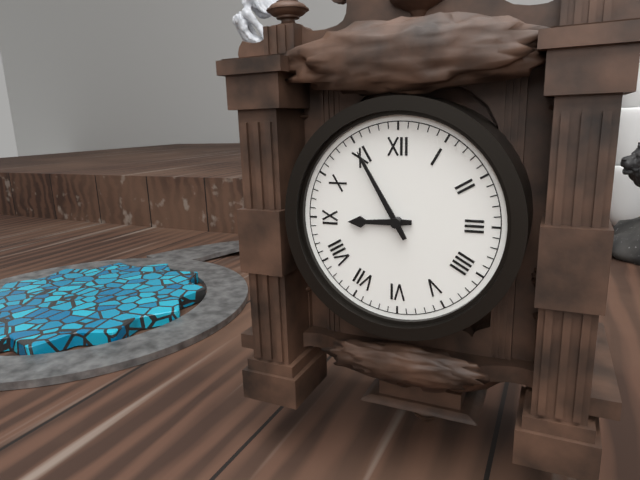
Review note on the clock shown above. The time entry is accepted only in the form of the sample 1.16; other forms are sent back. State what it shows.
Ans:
8.55
